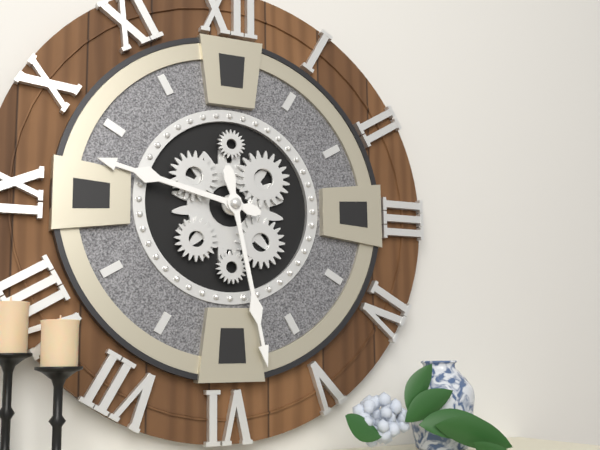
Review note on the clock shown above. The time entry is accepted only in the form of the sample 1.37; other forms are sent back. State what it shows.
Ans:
9.28
